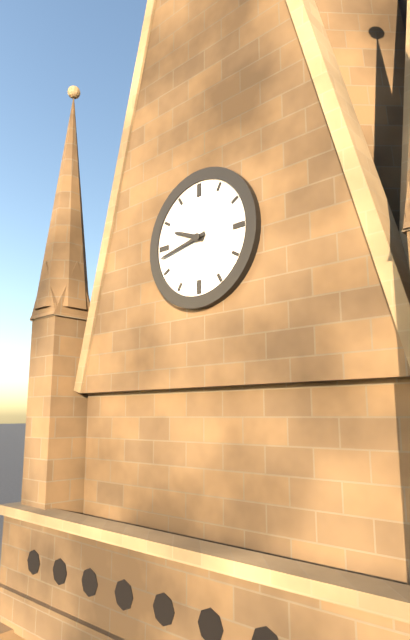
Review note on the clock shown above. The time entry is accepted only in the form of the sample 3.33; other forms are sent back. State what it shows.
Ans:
9.43
